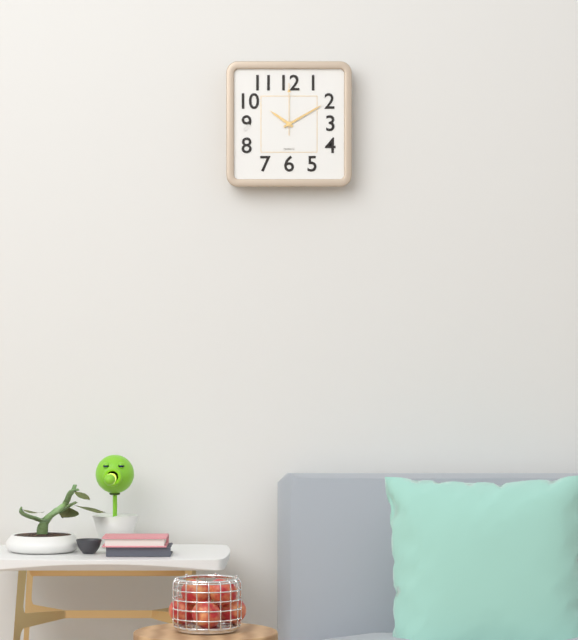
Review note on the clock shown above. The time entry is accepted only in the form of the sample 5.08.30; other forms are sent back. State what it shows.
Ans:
10.10.00
